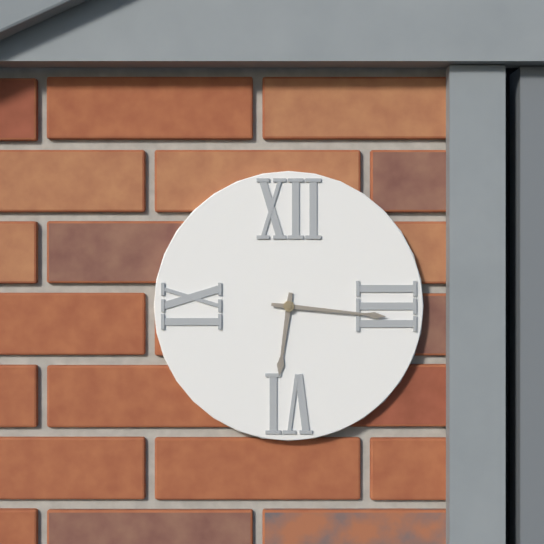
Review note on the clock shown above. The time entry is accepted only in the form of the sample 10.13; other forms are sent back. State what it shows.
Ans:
6.16
